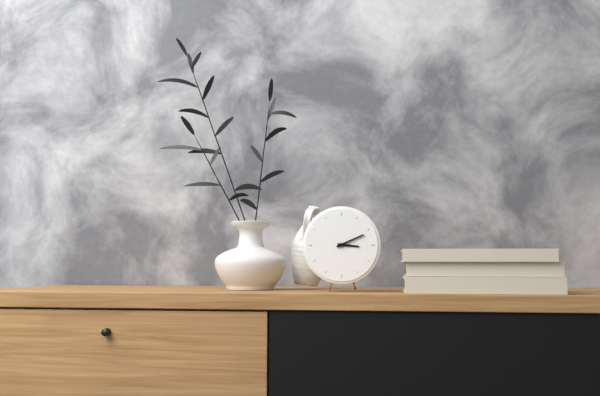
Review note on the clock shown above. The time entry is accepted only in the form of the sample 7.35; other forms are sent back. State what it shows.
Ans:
3.11
